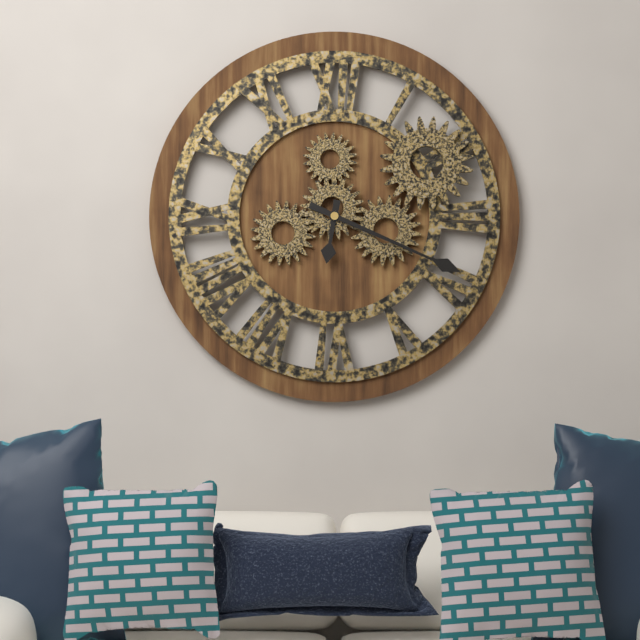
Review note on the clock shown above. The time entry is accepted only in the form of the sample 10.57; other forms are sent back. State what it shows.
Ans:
6.19
